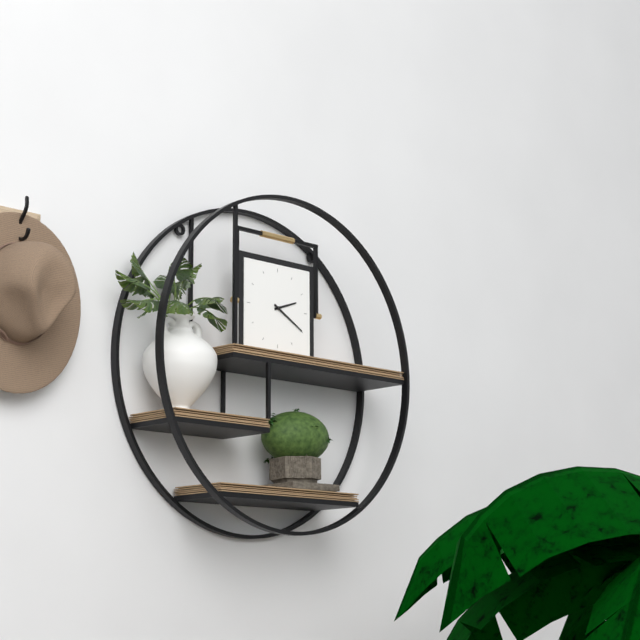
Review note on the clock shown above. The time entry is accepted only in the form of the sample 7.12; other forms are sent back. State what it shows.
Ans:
2.20
